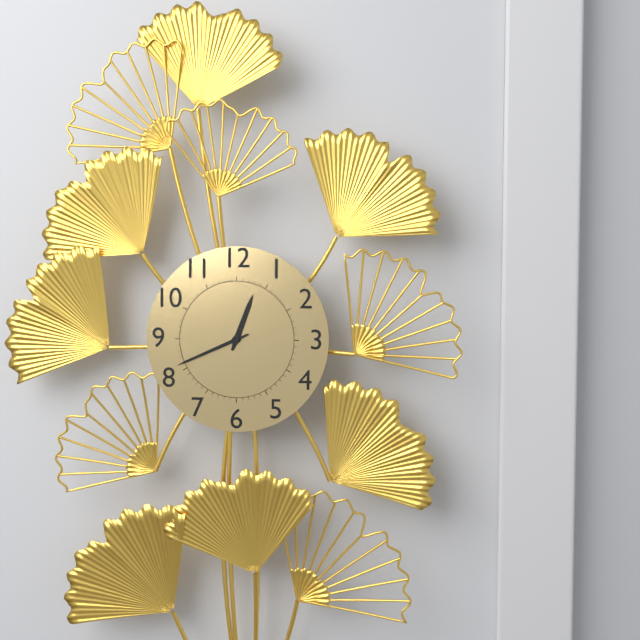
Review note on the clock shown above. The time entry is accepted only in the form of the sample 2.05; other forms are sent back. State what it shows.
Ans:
12.41
